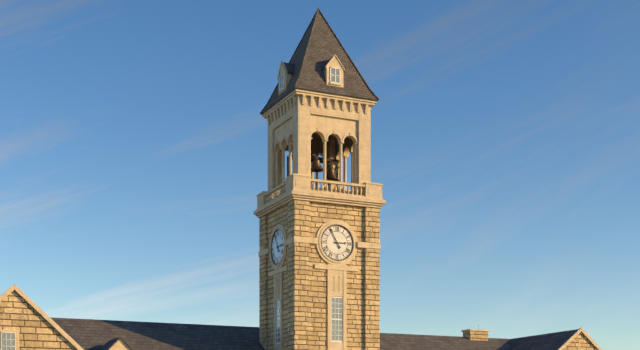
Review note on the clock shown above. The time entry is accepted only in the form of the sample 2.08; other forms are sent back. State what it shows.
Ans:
2.55
